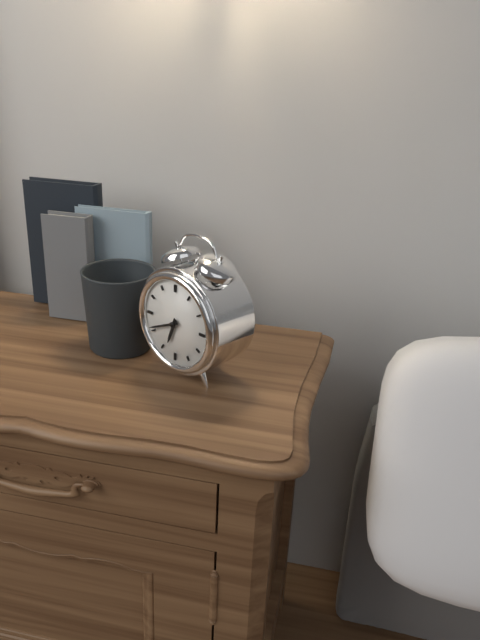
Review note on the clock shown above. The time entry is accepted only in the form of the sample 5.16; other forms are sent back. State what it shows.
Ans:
6.41
